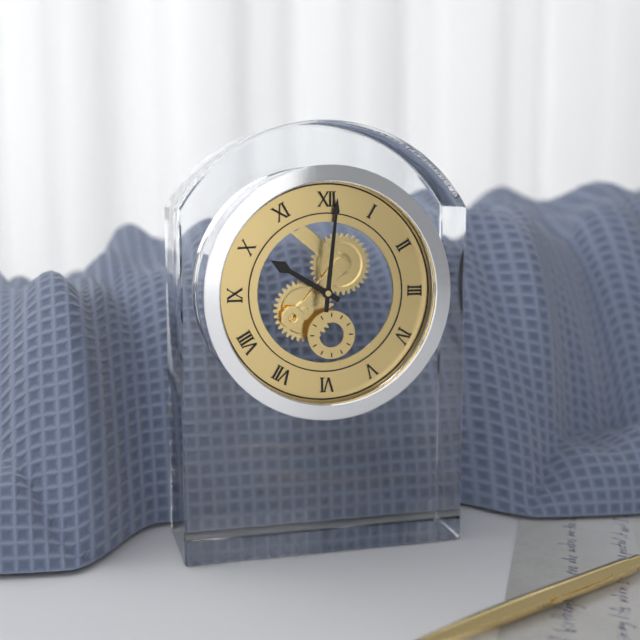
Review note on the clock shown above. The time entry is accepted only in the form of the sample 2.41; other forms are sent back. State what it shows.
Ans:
10.01
